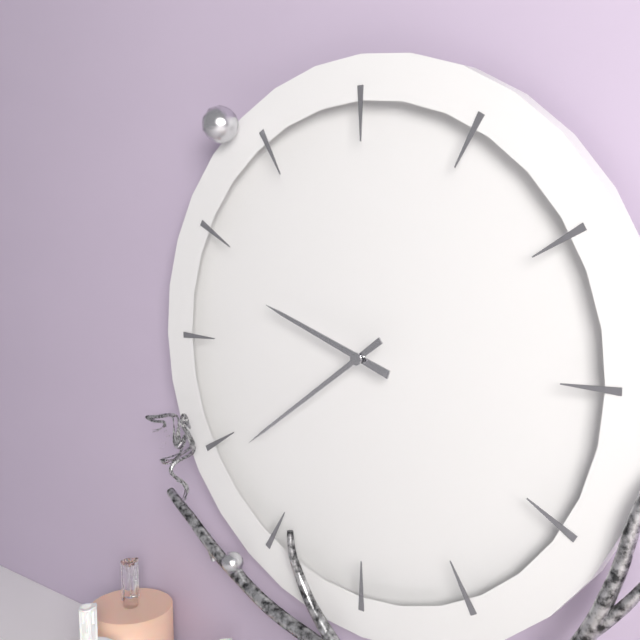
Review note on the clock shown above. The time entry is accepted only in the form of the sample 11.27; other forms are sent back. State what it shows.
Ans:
9.39
